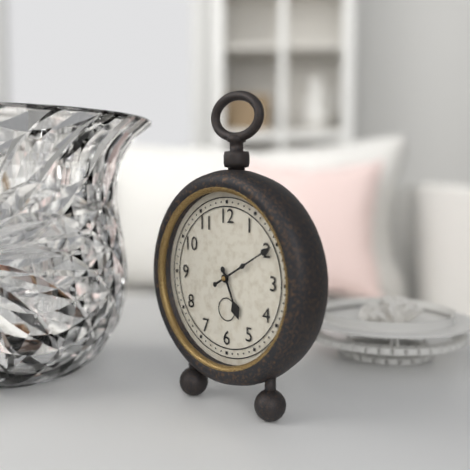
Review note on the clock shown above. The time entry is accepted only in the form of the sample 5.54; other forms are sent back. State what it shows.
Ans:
5.10
